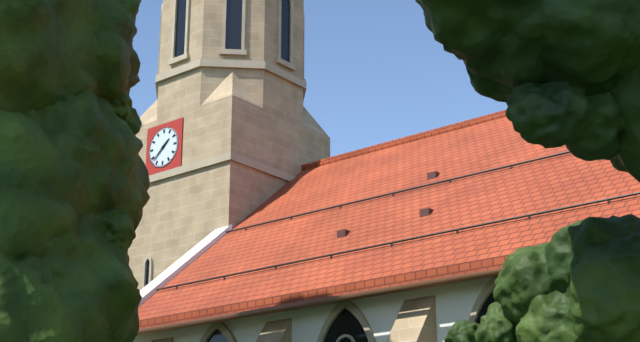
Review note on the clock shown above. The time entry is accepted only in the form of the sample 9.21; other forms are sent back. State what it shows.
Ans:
1.38
